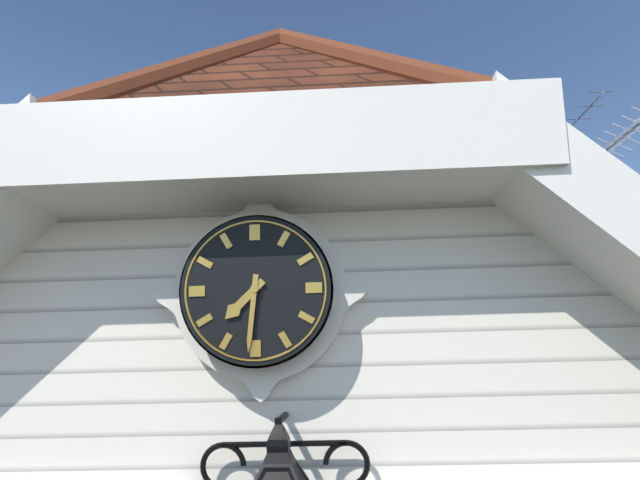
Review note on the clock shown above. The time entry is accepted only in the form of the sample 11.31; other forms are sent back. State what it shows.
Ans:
7.31
